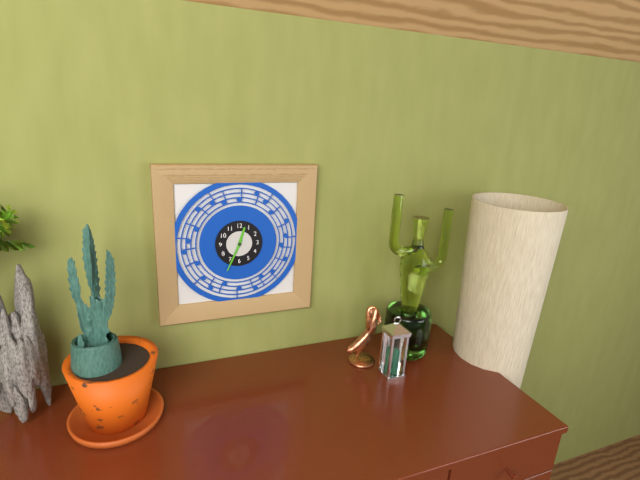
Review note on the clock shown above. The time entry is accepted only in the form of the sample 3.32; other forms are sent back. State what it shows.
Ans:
12.34
